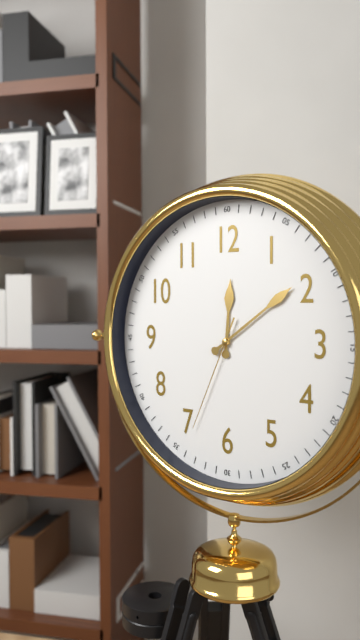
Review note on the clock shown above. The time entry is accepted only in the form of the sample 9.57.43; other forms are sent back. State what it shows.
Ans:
12.09.34
